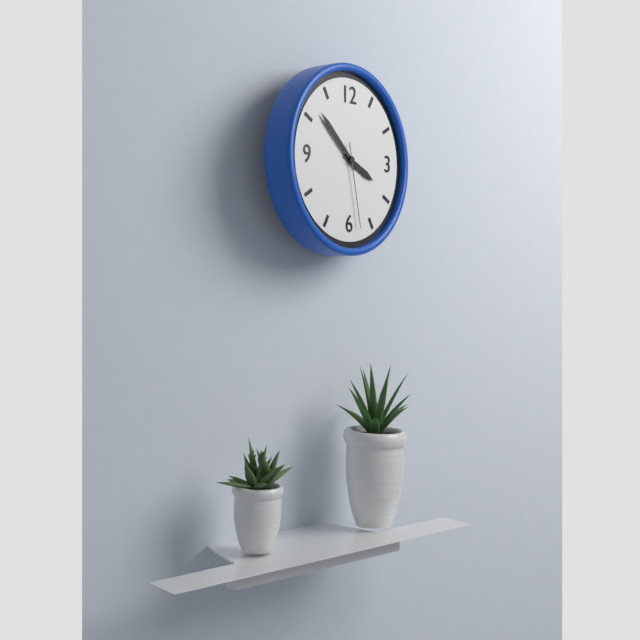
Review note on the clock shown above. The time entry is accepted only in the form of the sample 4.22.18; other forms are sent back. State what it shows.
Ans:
3.52.28
